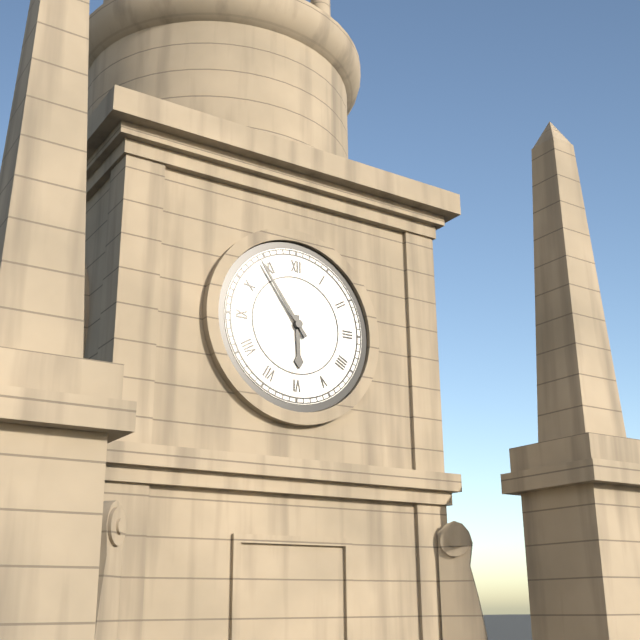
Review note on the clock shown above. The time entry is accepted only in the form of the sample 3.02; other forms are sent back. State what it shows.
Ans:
5.54
